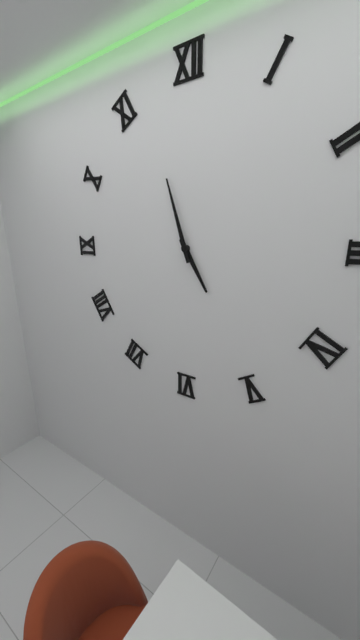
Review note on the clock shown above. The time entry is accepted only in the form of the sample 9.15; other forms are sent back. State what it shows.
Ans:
4.57
